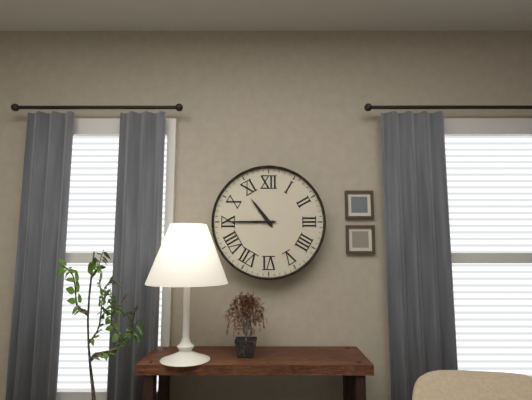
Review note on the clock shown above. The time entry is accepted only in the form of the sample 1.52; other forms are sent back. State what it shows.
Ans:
10.45
